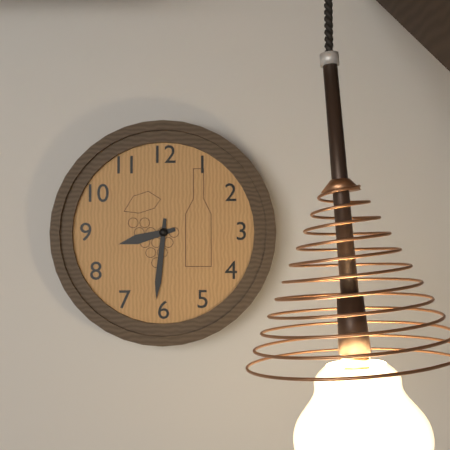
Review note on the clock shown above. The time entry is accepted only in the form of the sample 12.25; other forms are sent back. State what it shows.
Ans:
8.31
